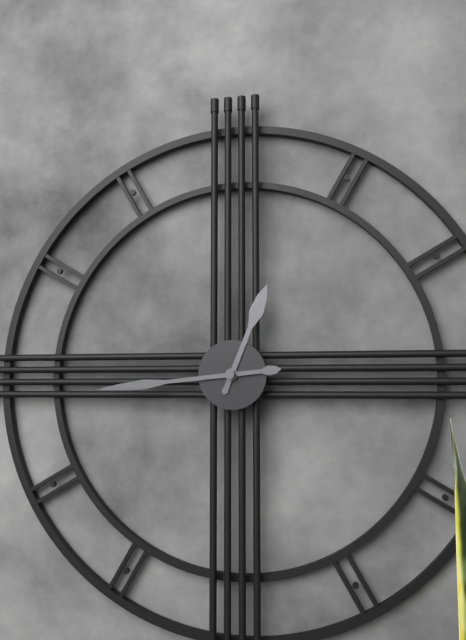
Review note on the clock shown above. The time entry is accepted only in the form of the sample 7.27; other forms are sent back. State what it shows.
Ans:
12.44
